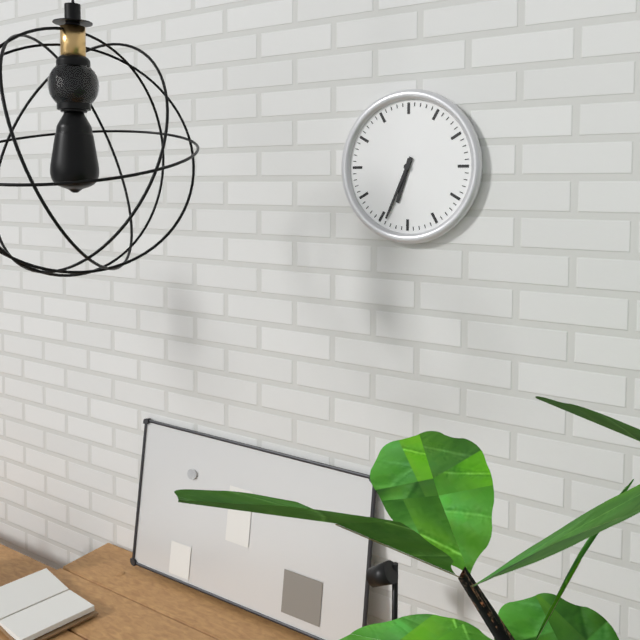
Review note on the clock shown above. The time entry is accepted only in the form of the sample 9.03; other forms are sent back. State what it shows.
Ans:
6.34
